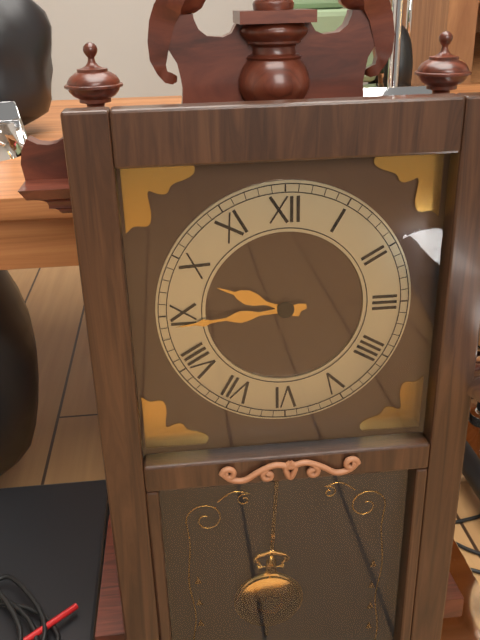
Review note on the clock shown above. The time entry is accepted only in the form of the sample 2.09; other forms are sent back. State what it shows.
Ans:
9.44
